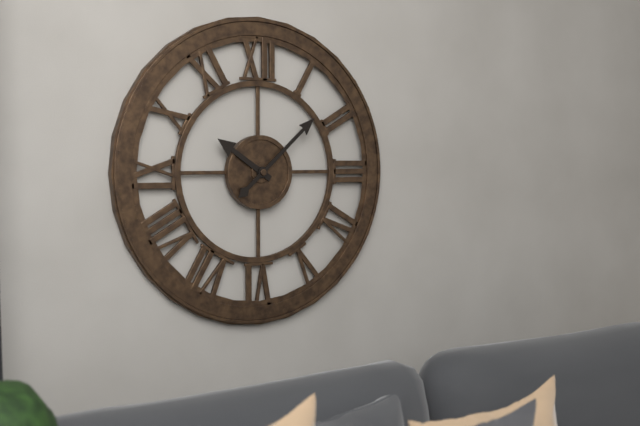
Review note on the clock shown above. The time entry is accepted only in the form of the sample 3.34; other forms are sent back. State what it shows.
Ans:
10.08
